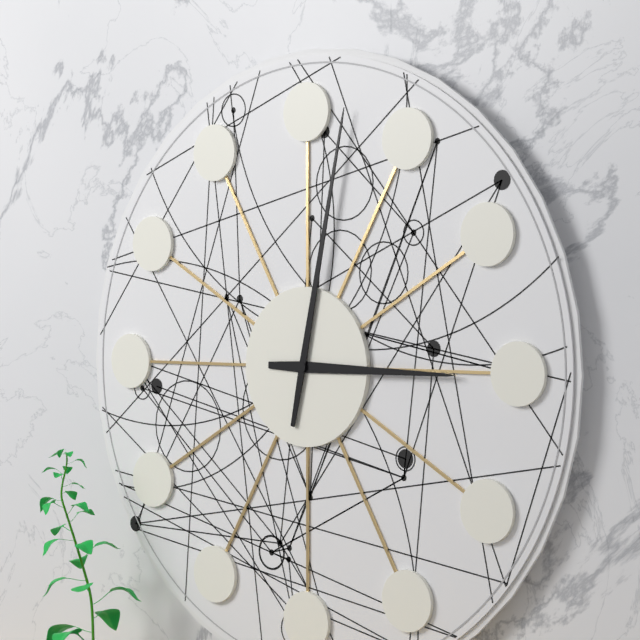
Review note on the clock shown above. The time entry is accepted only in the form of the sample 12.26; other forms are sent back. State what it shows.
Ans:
3.02
